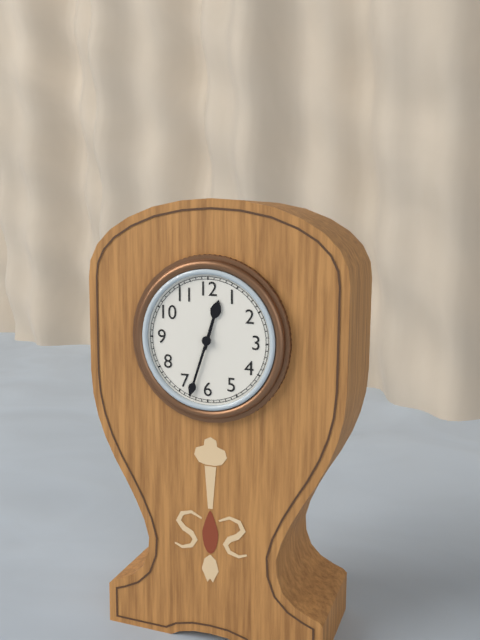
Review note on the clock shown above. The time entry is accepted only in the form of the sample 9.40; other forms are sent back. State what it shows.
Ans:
12.33
